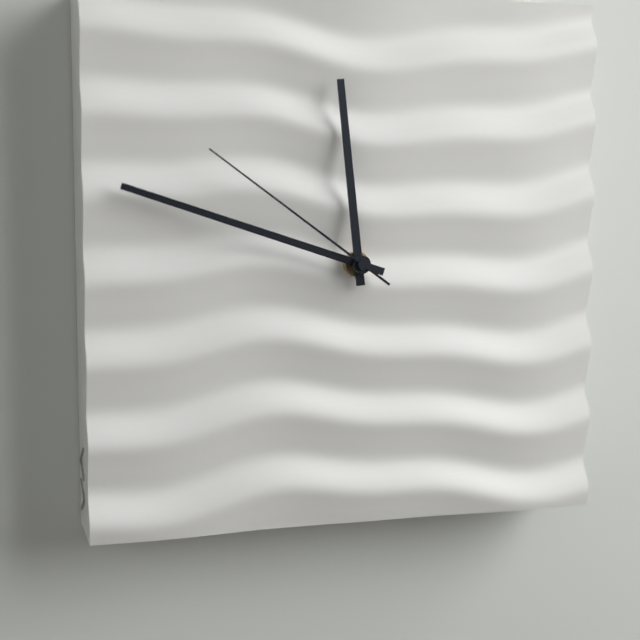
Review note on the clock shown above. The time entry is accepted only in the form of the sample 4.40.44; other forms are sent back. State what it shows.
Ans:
11.48.51
